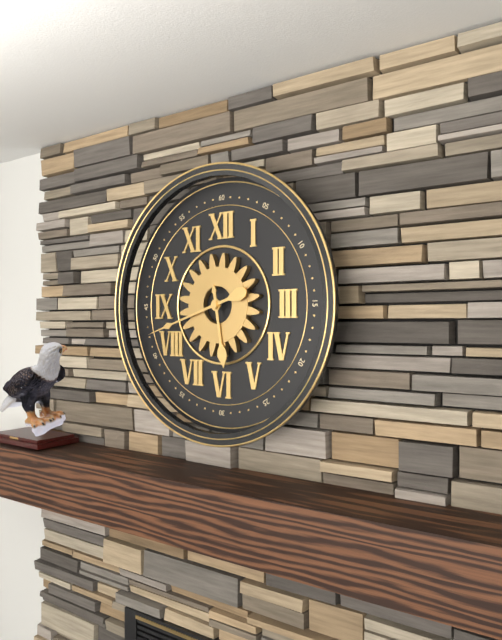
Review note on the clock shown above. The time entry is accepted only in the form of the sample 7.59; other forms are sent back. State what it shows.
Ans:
5.42
